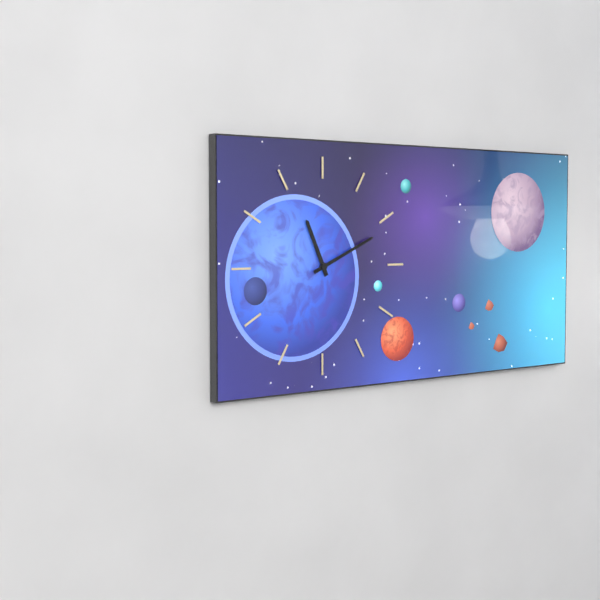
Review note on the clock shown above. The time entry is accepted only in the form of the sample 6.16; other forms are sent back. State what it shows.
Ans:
11.11
